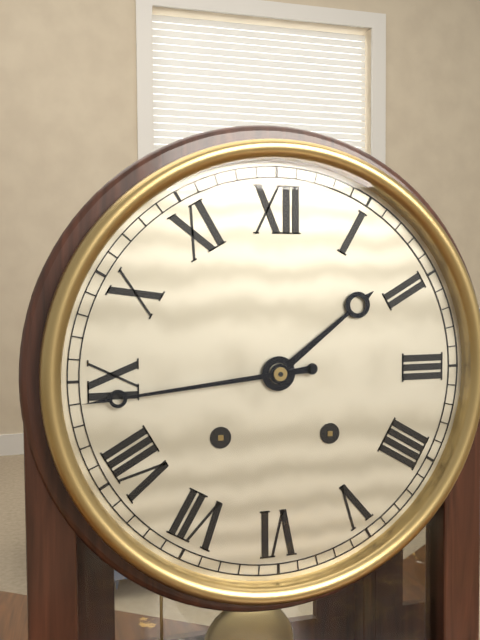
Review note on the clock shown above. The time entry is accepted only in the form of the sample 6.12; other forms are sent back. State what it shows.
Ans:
1.44
